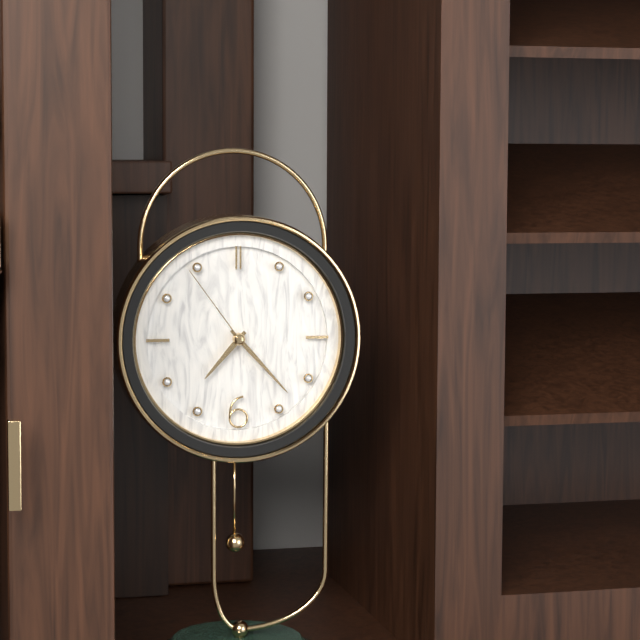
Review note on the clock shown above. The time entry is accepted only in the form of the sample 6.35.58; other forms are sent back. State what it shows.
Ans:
7.23.54
